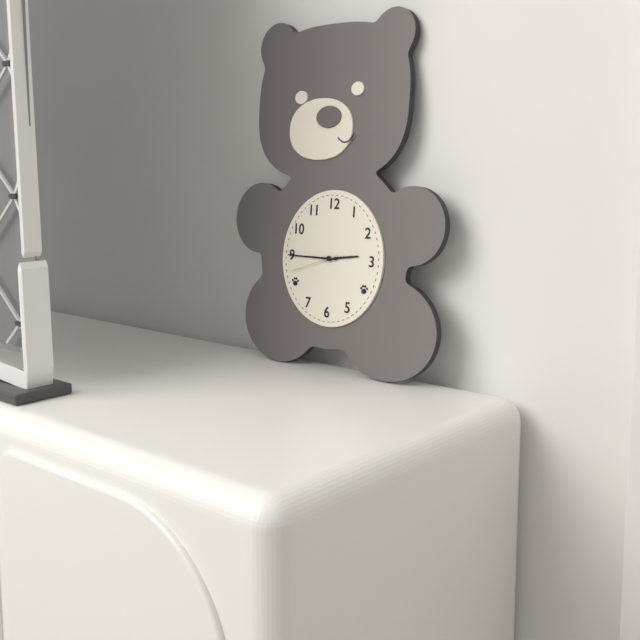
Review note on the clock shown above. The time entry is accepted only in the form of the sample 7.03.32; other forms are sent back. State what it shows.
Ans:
2.45.42
